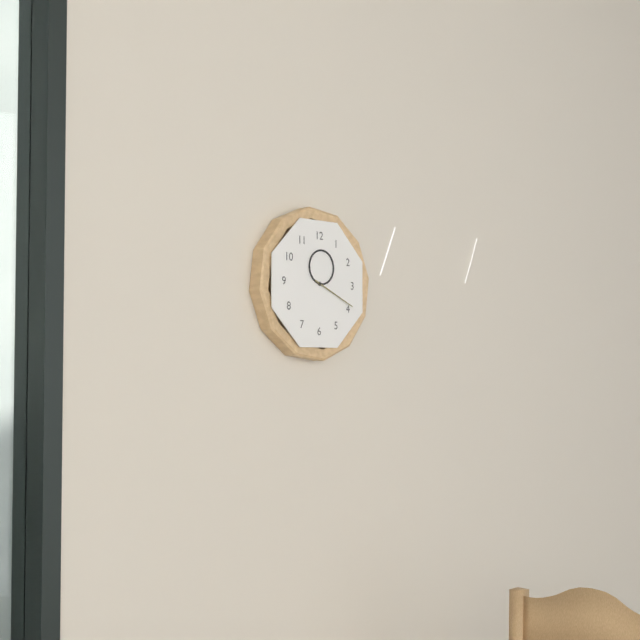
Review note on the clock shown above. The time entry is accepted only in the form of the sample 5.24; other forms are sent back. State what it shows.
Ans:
12.19
